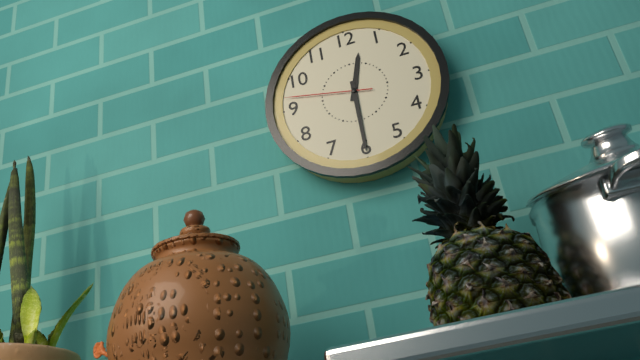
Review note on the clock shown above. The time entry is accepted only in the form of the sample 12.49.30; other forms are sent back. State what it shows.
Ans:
12.30.47
